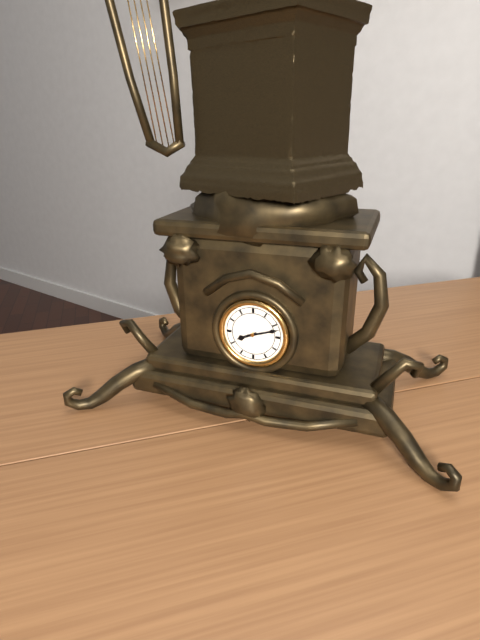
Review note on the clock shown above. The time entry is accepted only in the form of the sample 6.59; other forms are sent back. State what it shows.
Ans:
8.12
